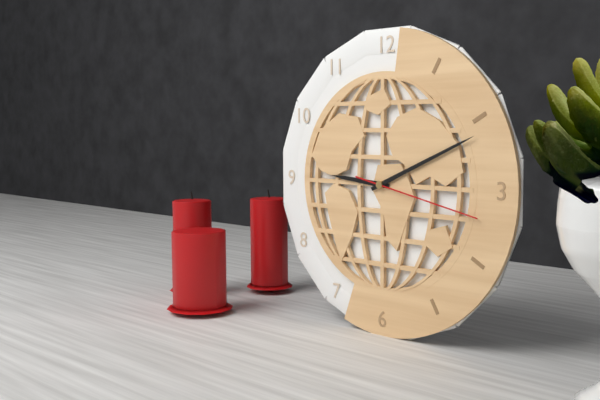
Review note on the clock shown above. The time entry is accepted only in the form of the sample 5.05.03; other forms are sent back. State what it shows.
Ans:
9.11.17
